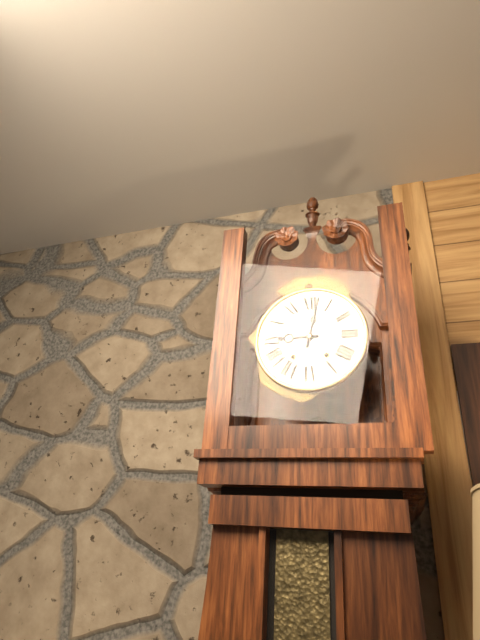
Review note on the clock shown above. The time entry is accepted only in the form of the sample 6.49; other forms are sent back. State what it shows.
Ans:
9.02
